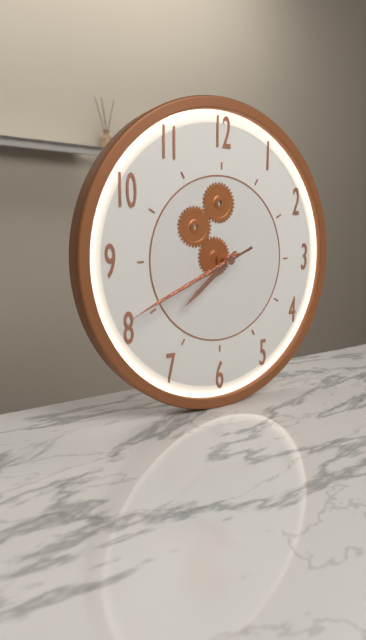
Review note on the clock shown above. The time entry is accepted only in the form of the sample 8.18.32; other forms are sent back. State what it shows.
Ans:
7.41.41
